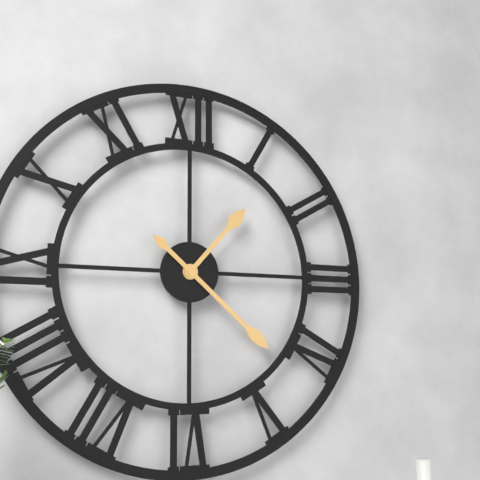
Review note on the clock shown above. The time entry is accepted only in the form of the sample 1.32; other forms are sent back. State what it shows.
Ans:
1.22
